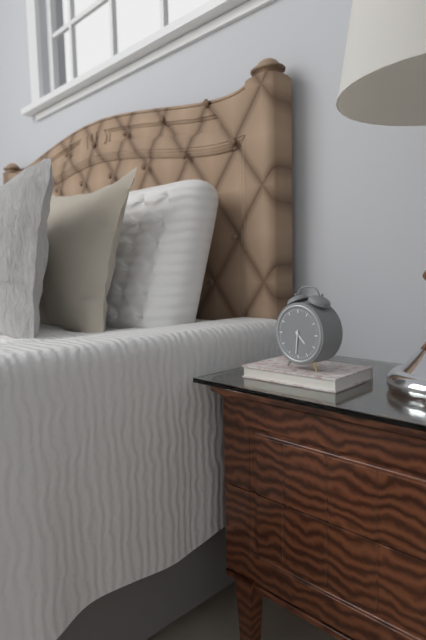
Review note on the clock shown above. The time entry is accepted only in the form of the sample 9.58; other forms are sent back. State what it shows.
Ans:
4.31
